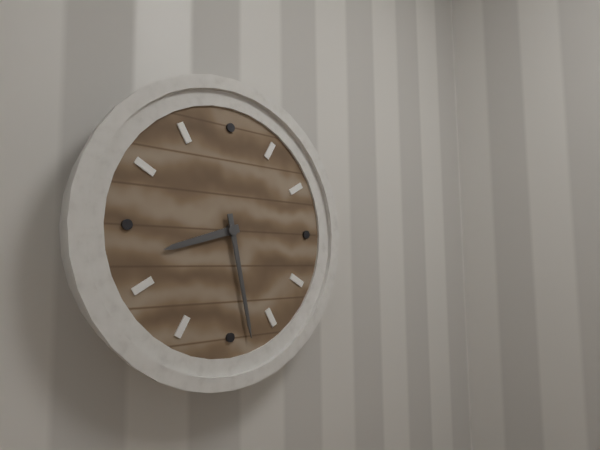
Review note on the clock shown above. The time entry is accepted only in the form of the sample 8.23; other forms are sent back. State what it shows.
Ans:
8.28
